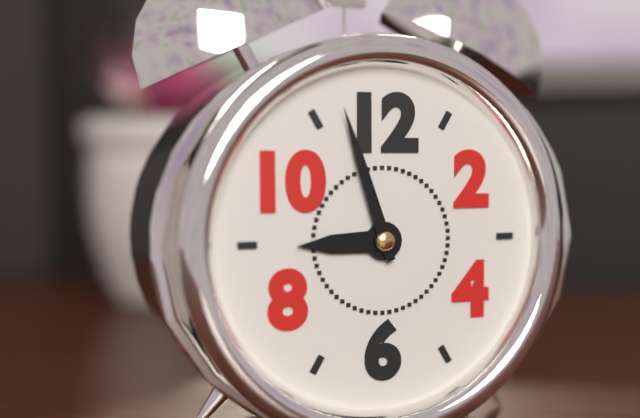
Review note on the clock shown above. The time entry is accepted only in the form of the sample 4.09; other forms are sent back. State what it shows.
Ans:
8.57
